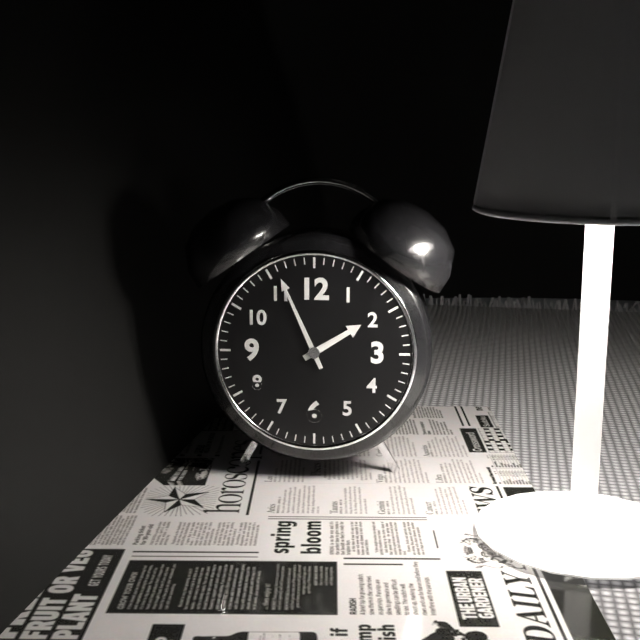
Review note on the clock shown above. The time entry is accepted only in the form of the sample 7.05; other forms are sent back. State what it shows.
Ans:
1.56
